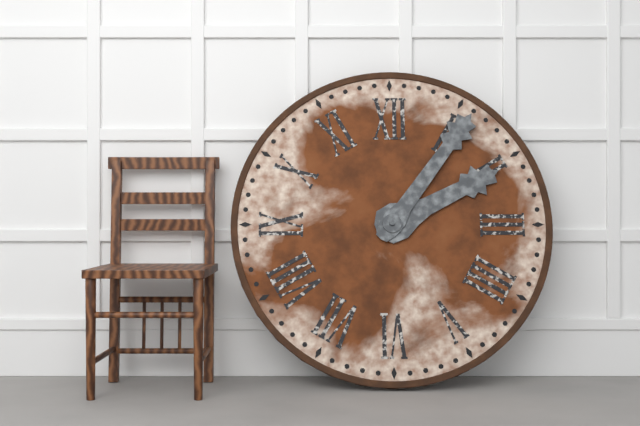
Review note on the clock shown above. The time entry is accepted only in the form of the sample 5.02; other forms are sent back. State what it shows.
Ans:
2.06
